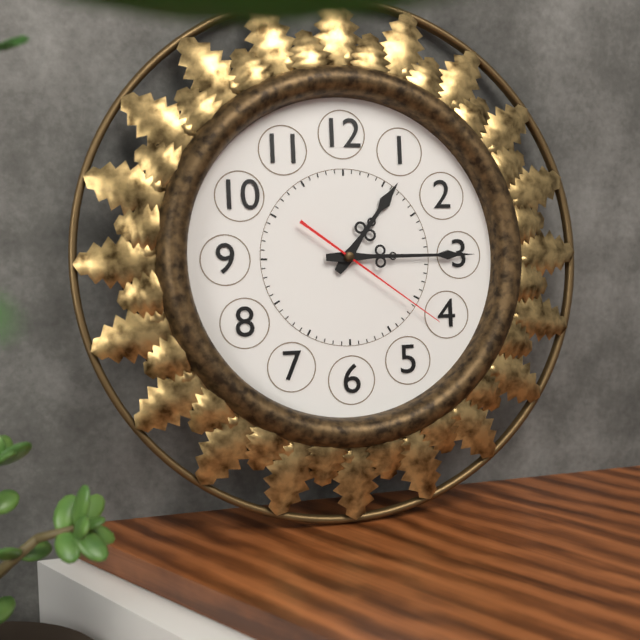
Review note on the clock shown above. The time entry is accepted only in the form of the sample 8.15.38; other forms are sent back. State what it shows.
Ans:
1.15.21
